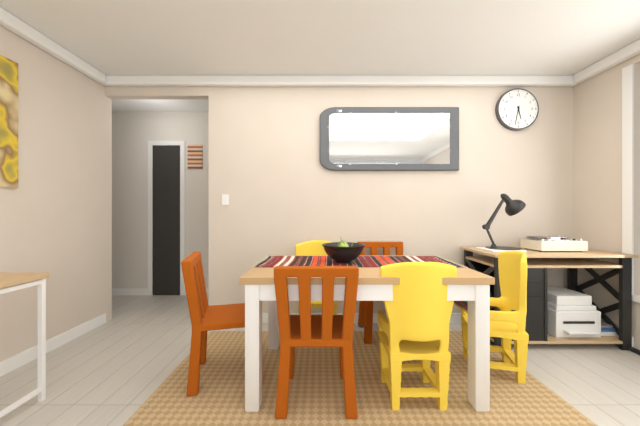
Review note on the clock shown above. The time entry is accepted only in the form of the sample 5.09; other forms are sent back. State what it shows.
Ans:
5.32
